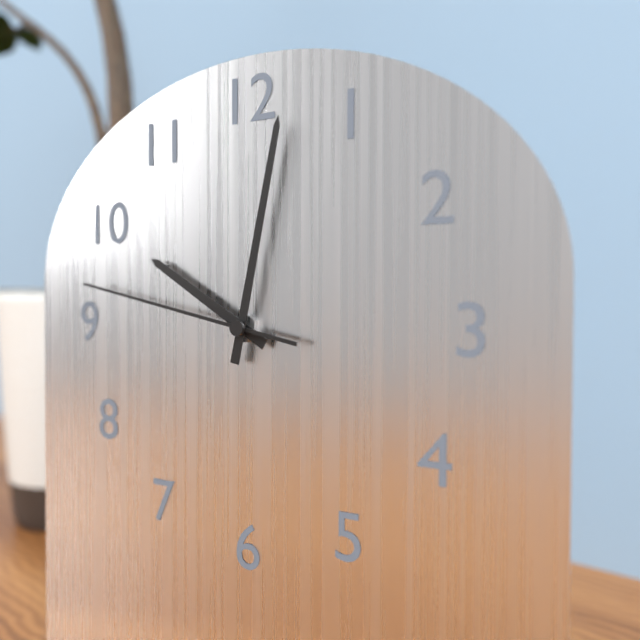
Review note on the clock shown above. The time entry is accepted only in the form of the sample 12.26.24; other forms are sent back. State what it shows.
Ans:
10.02.47
